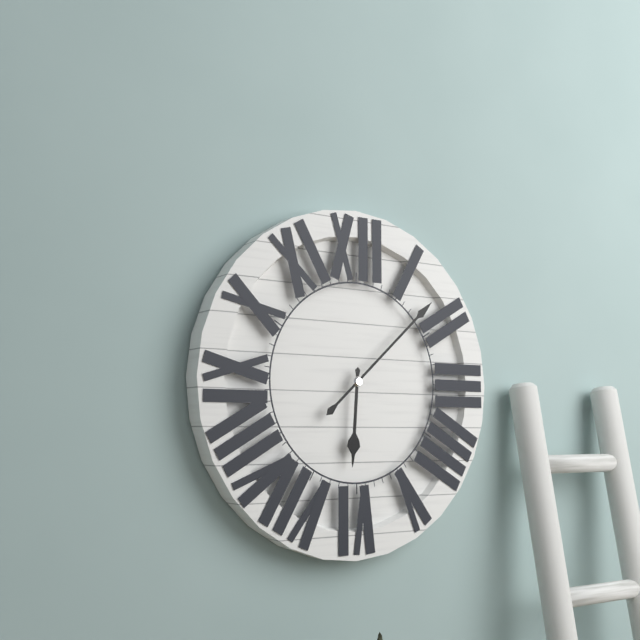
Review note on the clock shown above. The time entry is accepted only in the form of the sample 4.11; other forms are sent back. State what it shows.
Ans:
6.08
